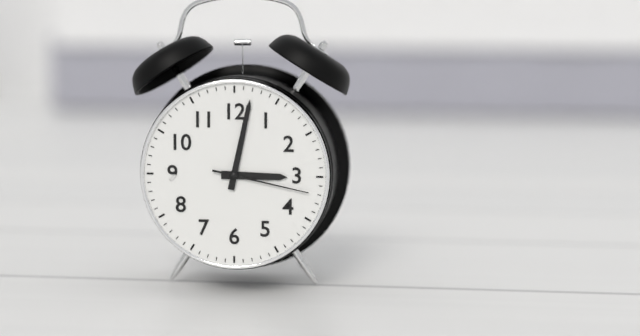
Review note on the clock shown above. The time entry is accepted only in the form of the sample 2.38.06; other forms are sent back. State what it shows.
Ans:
3.02.17
